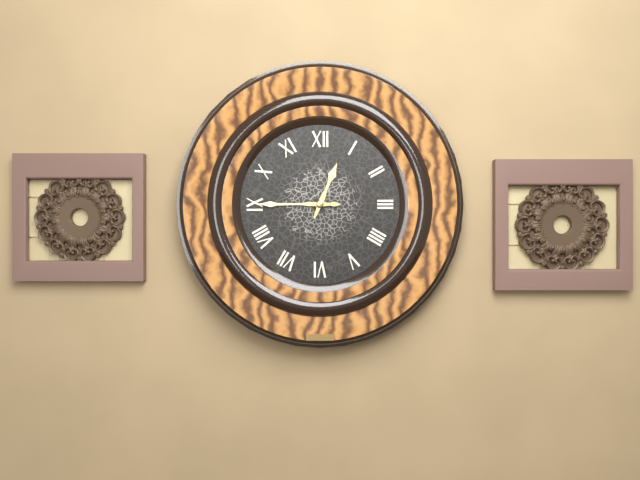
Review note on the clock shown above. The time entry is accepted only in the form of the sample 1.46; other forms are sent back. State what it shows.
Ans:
12.45
